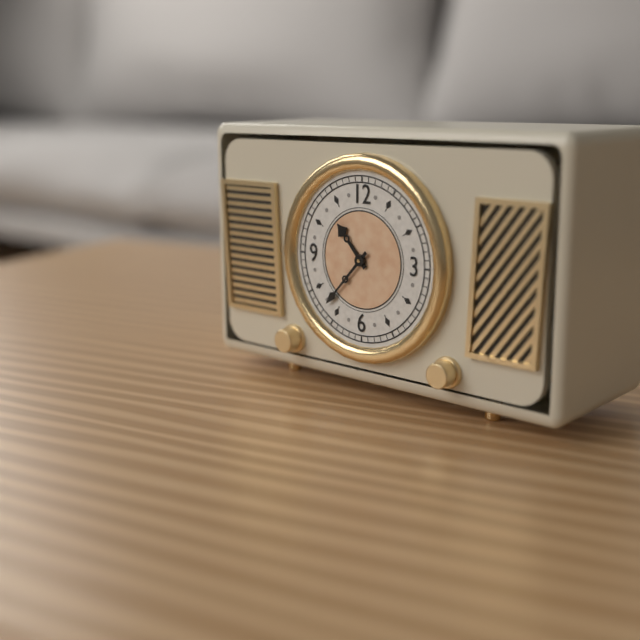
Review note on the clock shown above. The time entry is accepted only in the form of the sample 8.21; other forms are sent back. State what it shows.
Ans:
10.37
